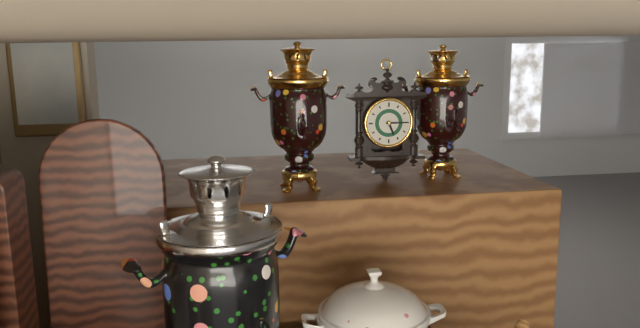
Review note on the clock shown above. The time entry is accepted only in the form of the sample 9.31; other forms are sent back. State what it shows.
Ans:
5.15
